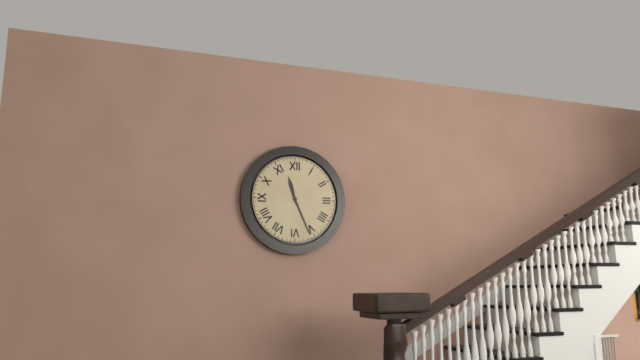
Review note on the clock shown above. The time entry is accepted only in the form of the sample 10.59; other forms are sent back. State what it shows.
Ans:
11.26
